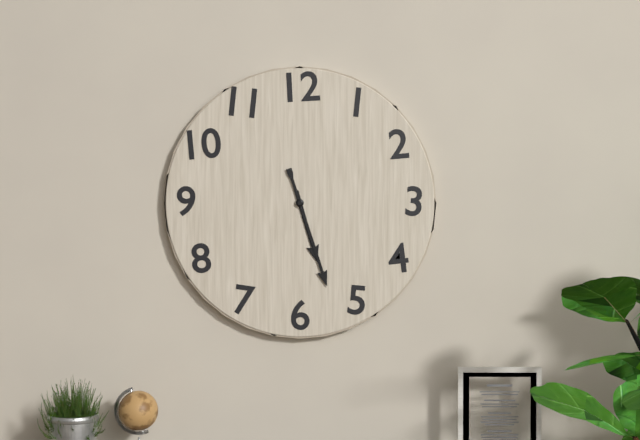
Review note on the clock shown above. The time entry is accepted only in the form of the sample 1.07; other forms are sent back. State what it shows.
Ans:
5.27
